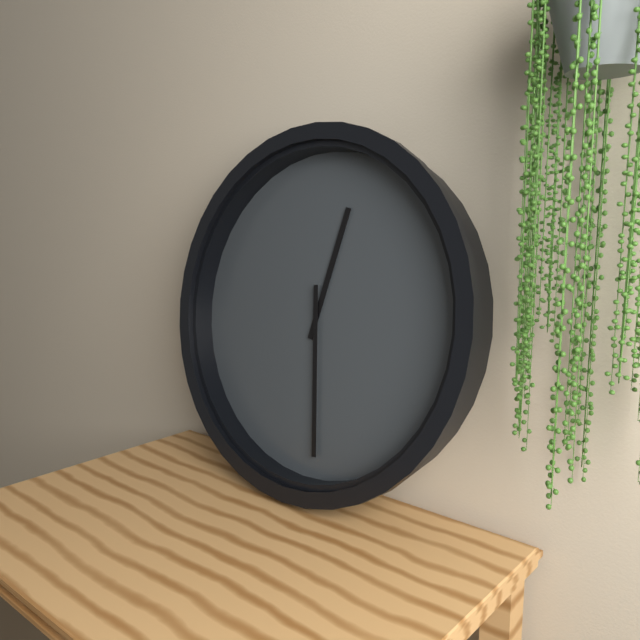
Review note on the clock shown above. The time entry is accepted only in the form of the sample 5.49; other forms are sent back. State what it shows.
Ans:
12.29
